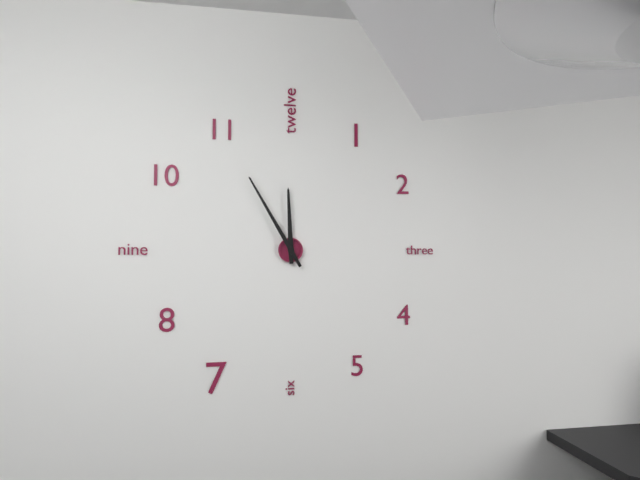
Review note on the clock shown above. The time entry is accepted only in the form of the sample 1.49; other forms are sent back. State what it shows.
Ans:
11.55
